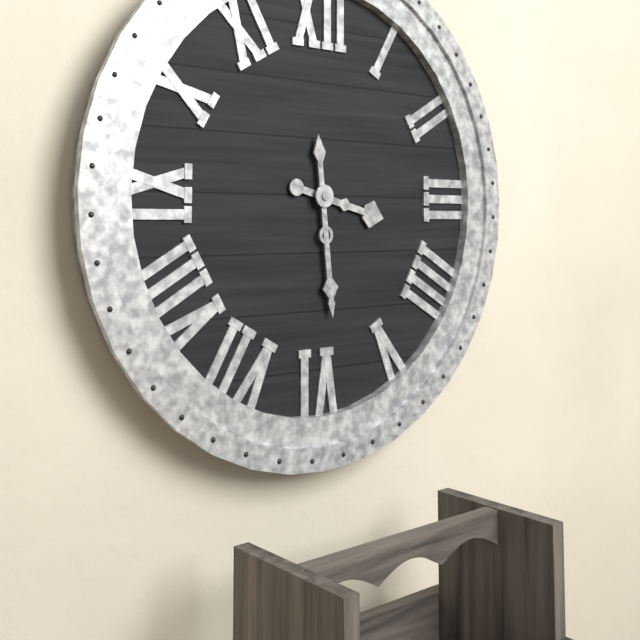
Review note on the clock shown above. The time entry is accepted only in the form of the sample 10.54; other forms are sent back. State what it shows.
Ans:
3.29
